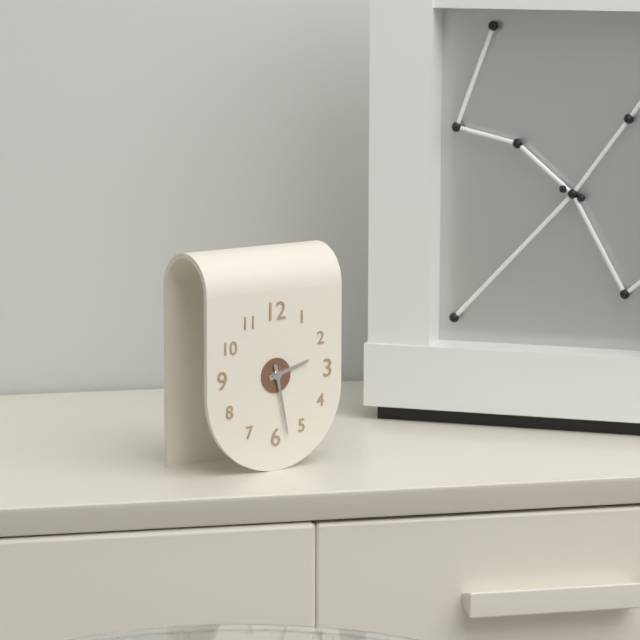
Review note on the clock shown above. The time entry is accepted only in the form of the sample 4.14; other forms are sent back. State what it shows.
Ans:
2.28
